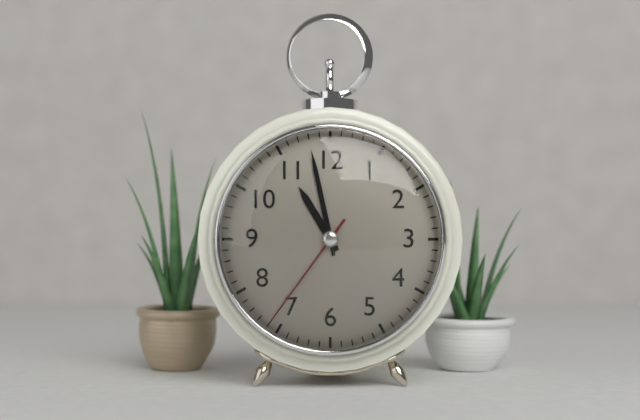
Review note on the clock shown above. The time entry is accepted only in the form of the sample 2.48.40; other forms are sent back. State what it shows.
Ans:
10.58.36
